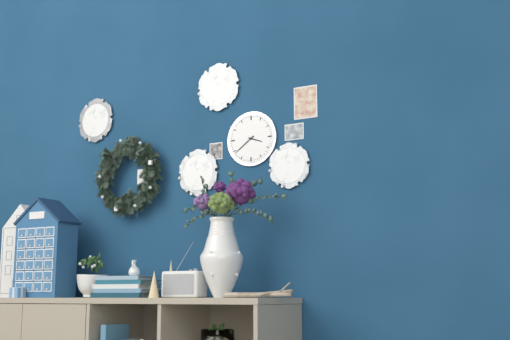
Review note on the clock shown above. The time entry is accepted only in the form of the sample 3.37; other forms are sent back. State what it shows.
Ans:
3.39
